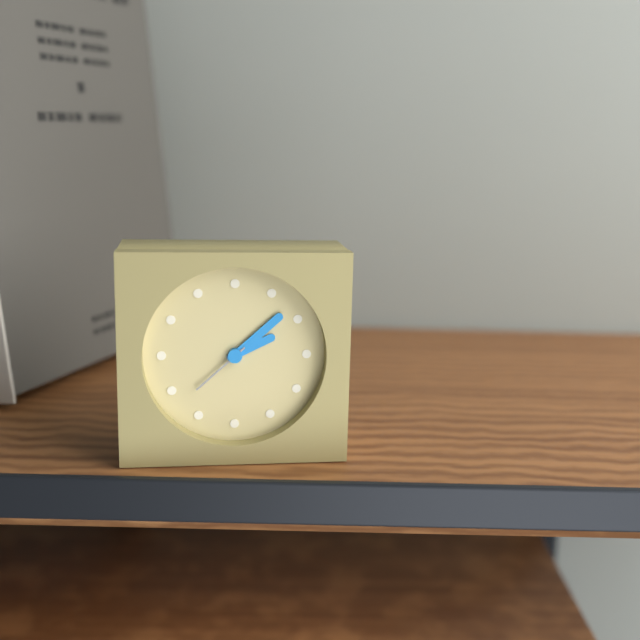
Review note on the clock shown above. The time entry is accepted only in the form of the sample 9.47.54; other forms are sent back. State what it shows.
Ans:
2.08.38
